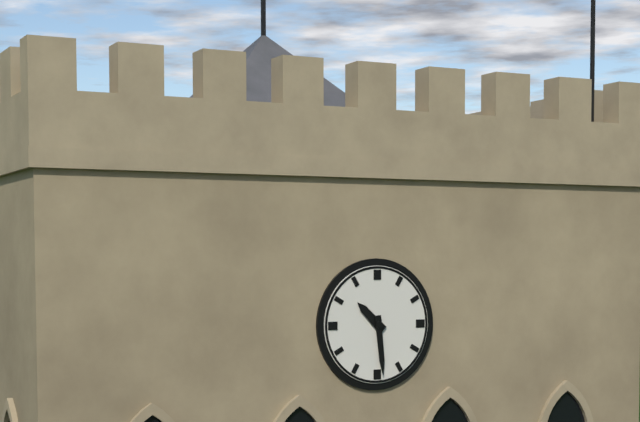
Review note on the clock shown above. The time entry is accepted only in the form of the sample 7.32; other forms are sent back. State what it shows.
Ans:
10.29
